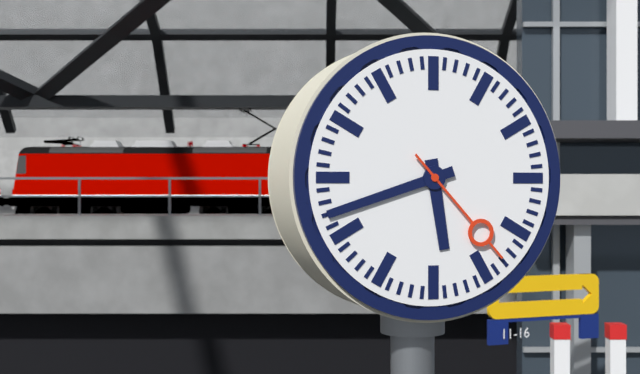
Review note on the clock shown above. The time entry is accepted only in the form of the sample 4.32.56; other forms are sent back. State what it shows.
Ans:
5.42.23
